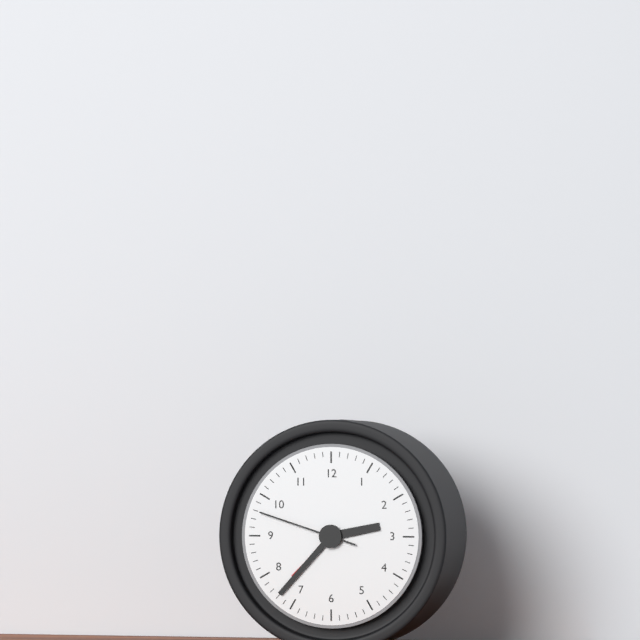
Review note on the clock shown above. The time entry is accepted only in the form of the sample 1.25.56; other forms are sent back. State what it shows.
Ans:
2.37.48
